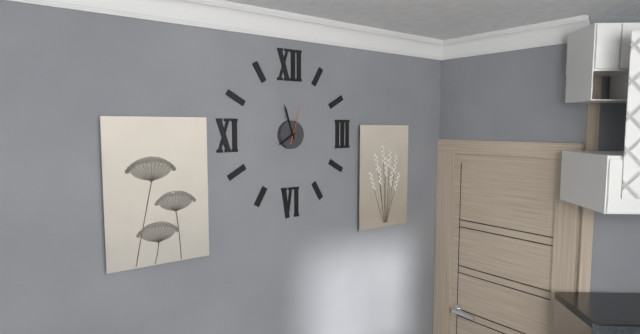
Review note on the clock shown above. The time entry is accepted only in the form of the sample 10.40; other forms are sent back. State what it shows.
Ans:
7.57
